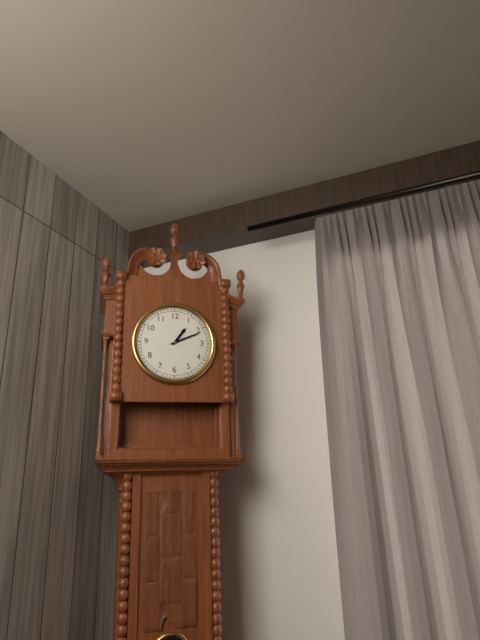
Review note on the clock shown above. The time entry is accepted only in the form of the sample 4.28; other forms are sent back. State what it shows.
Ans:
1.11
